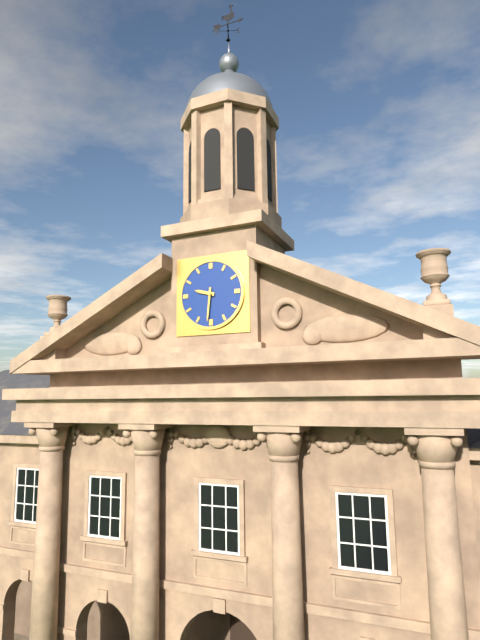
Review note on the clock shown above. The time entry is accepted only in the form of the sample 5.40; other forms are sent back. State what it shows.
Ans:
9.31
